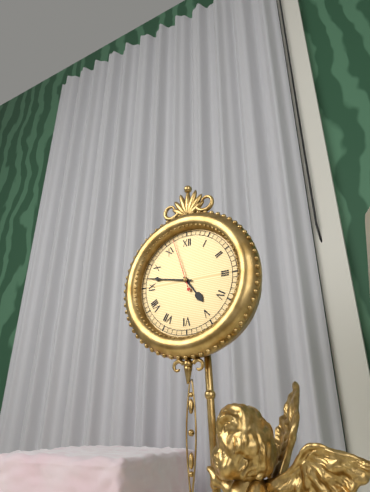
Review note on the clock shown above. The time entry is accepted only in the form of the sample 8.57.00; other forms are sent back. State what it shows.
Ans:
4.47.57
